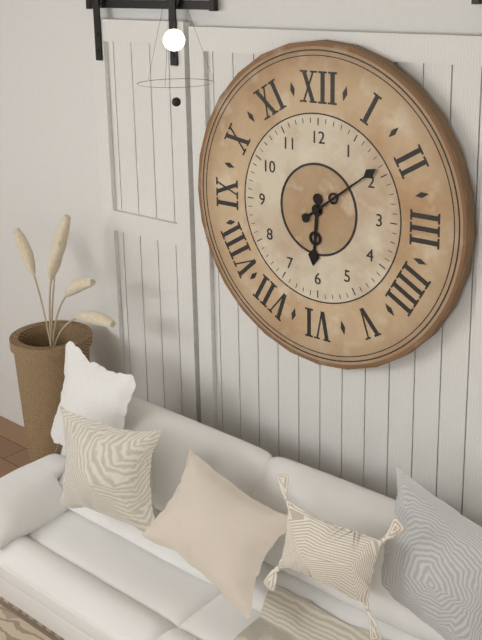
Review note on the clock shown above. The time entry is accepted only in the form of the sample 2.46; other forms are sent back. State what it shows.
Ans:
6.09
